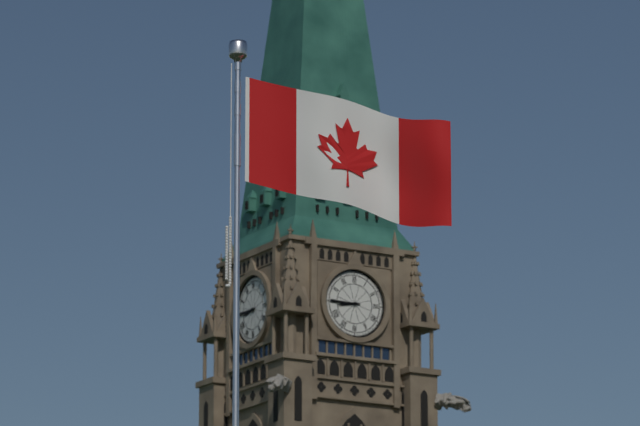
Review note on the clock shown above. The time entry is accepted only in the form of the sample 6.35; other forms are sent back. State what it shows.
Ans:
8.45
